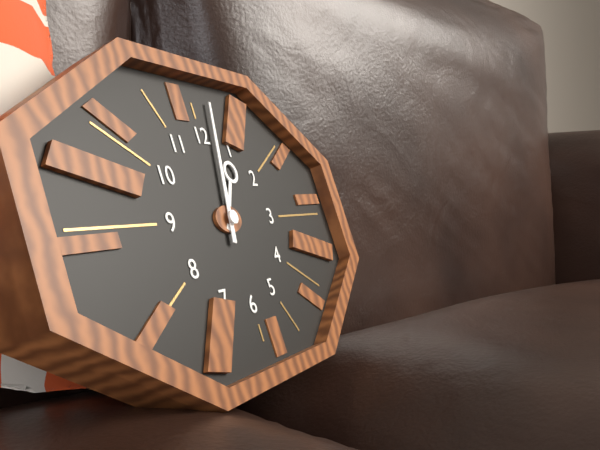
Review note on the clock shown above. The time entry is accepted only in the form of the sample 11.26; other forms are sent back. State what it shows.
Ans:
1.02
